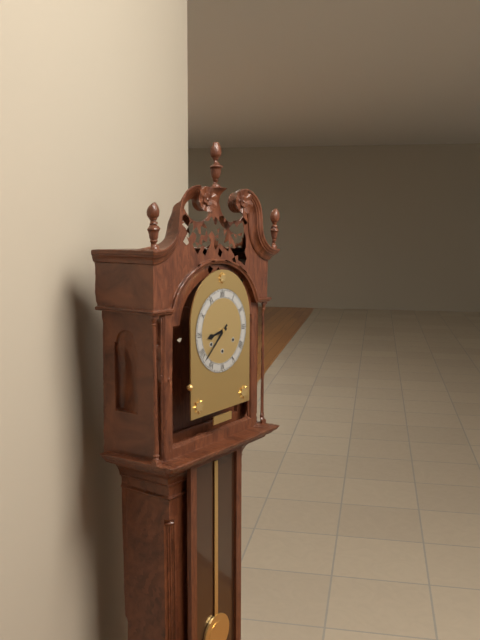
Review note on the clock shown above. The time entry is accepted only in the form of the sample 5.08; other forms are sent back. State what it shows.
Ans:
8.38
